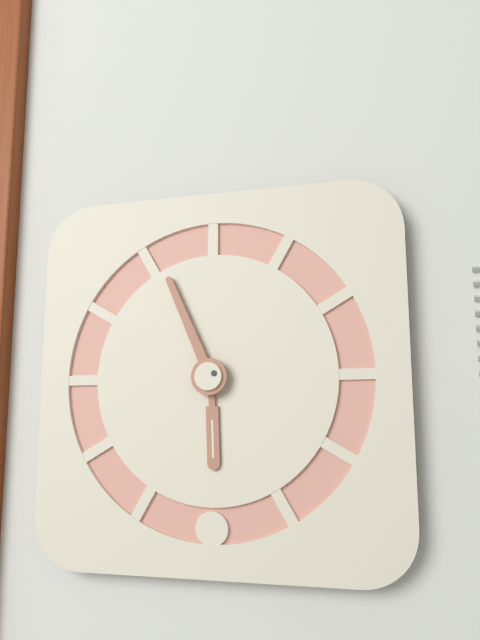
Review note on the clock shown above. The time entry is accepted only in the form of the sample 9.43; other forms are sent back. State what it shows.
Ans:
5.56
